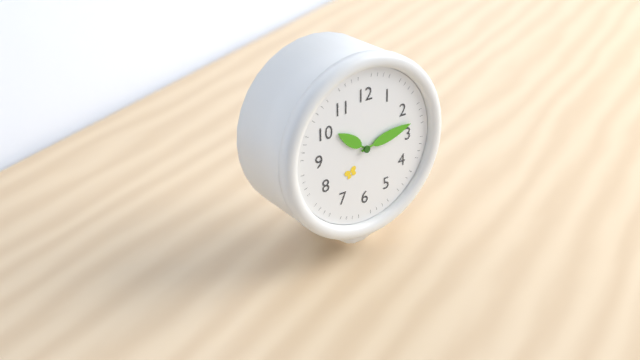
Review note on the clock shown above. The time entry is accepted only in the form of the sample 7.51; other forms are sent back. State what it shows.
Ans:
10.13
